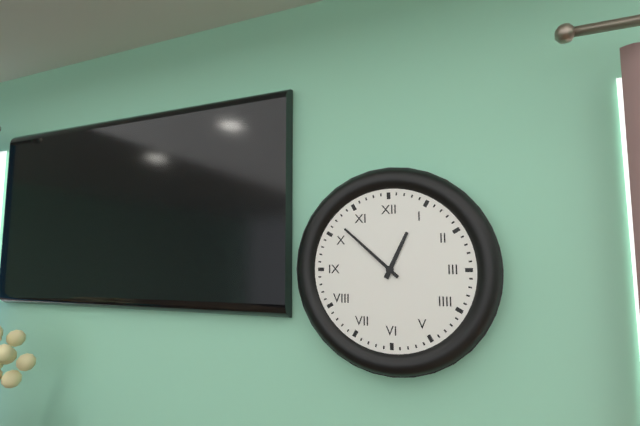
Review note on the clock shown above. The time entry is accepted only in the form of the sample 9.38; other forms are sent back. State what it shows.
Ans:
12.52
